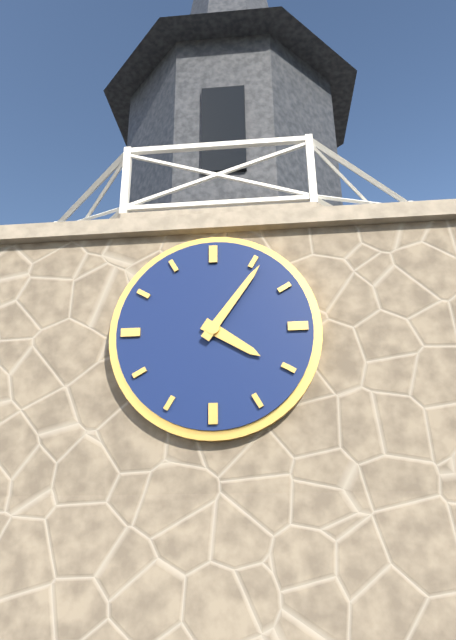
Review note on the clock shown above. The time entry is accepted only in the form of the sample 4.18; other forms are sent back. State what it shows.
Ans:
4.06
